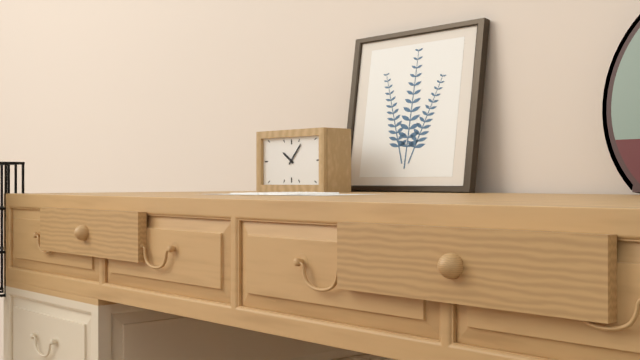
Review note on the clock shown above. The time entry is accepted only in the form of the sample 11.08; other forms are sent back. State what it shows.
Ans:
10.07
